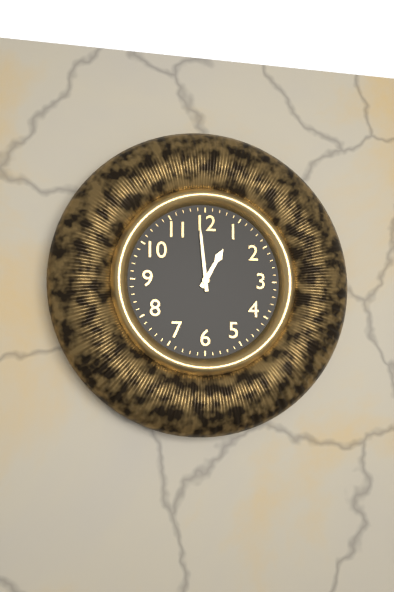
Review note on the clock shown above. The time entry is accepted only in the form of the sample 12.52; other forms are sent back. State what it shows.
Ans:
12.59
